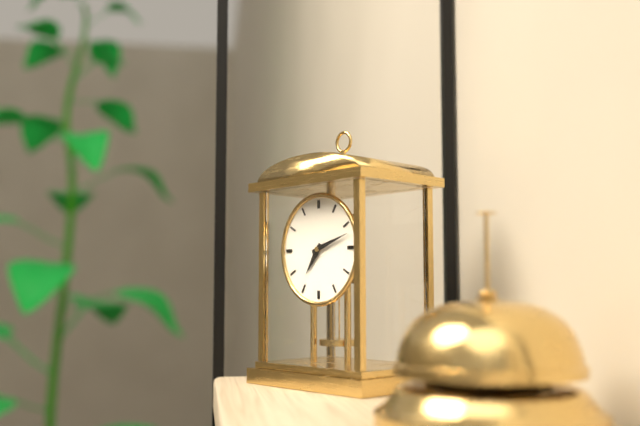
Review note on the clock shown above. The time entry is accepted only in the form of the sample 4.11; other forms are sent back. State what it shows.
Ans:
7.12
